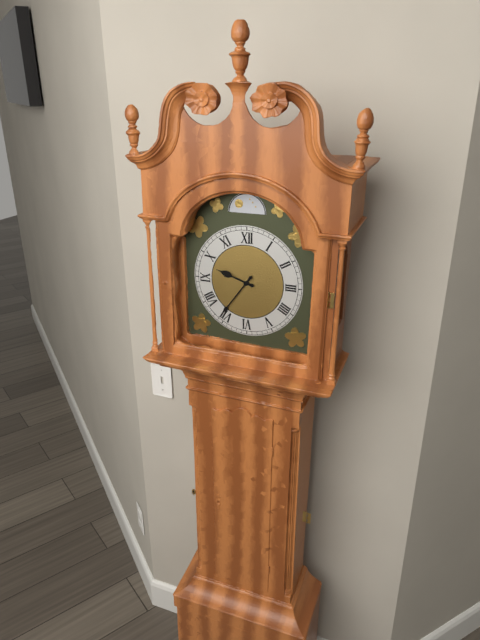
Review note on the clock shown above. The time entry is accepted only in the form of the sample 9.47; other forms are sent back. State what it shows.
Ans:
9.36
